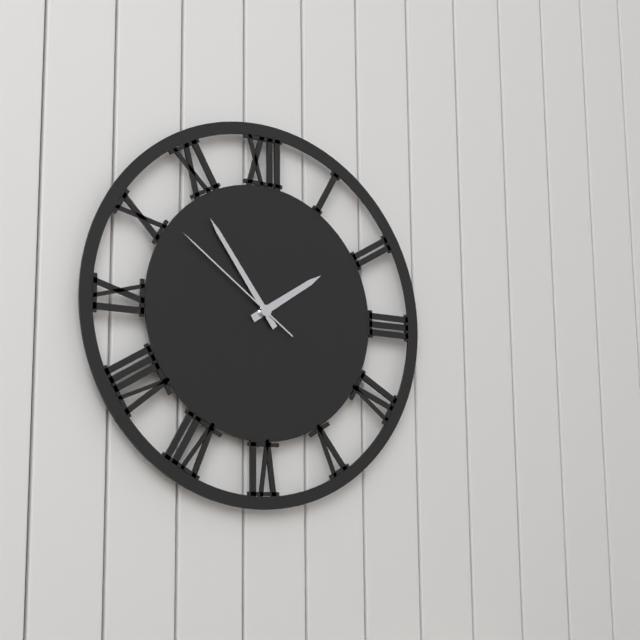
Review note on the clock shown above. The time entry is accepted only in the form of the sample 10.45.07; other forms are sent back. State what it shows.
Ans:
1.54.51
